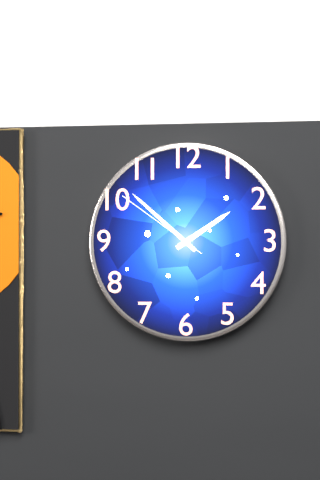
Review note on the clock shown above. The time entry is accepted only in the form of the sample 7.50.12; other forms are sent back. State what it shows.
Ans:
1.52.51
